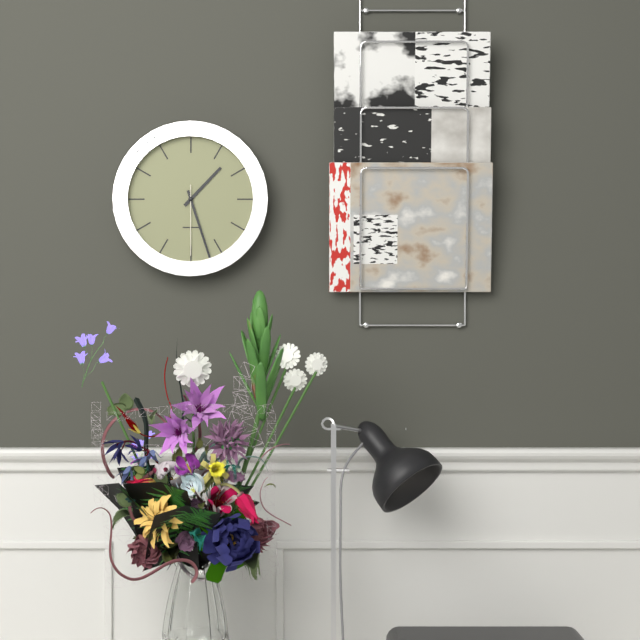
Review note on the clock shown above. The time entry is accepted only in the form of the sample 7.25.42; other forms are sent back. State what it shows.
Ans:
1.27.30
